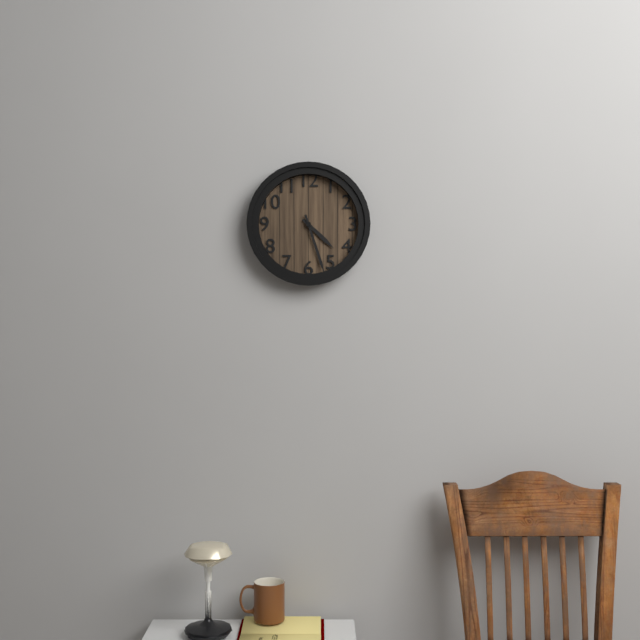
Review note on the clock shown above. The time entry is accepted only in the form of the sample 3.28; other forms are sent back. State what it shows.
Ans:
4.27
